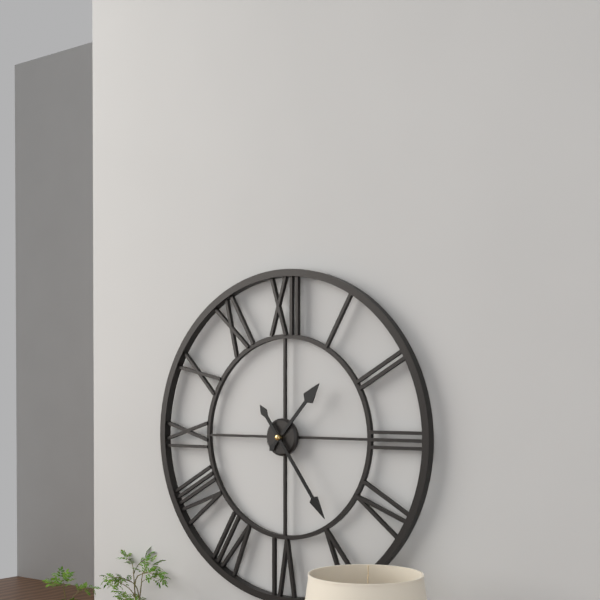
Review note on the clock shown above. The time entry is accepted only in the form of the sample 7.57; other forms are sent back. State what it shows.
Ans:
1.24
